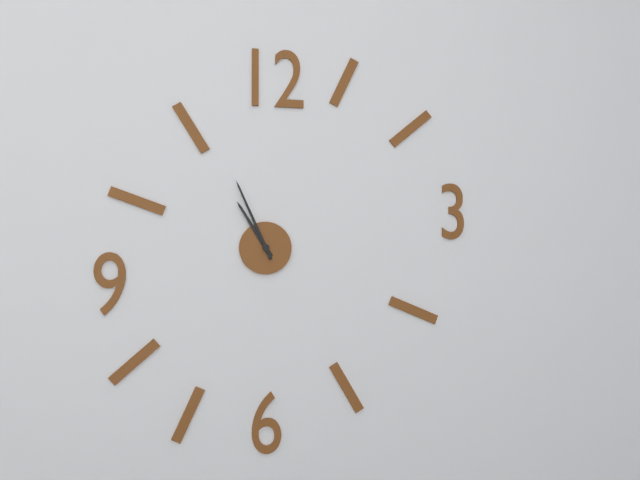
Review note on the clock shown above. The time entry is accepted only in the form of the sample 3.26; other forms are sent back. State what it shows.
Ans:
10.56
